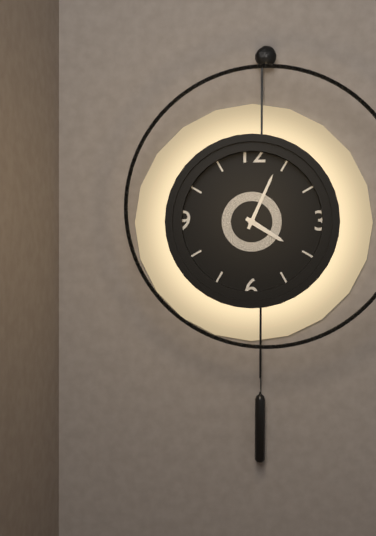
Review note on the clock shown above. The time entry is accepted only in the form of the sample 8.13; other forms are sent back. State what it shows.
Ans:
4.04
